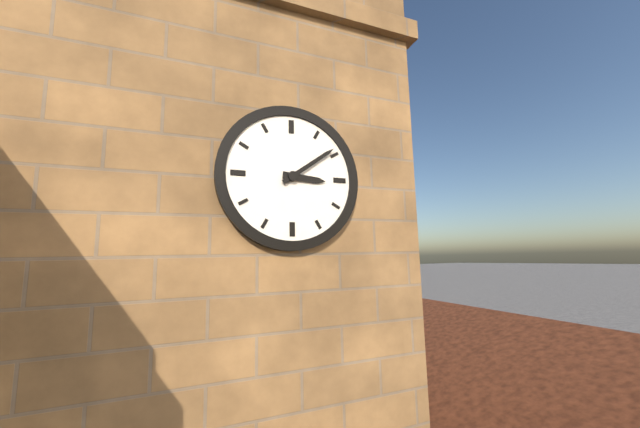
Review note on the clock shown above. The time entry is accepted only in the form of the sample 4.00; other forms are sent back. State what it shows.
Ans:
3.09
